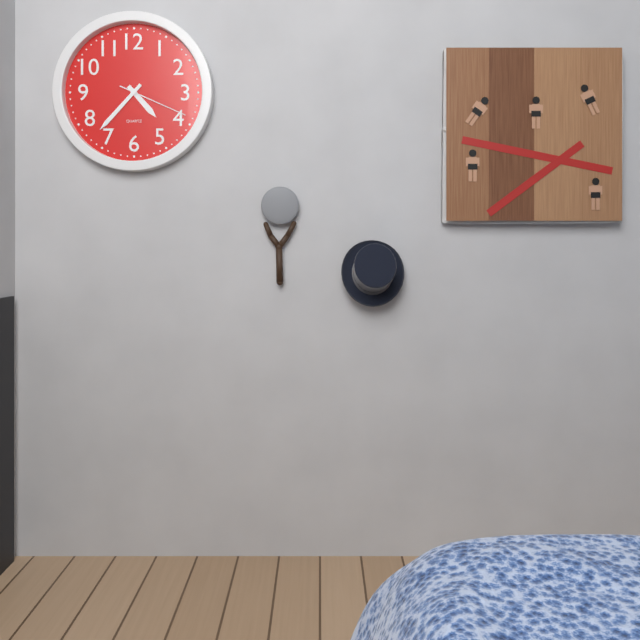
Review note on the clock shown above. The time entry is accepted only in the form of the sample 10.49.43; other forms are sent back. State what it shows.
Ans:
4.37.19
